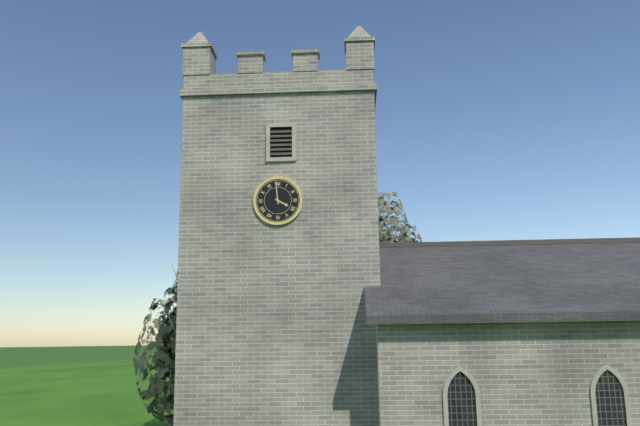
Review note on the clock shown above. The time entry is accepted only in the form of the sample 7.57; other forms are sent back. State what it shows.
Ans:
3.59
